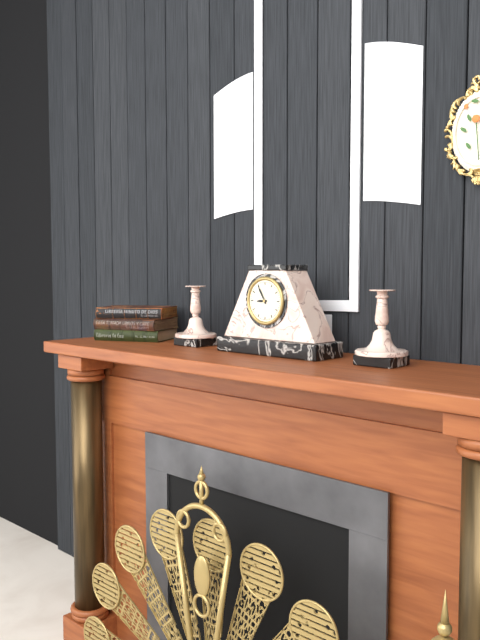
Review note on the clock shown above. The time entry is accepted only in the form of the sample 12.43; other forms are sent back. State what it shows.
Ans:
8.55
